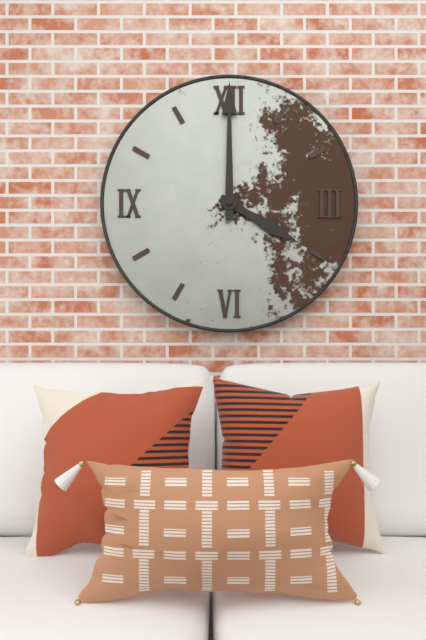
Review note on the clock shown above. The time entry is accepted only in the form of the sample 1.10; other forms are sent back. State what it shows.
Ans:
4.00
